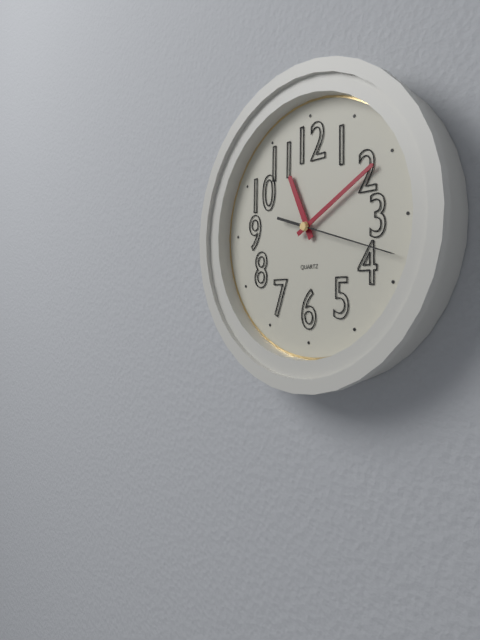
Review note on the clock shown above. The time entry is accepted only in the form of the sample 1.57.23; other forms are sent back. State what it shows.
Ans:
11.10.18
